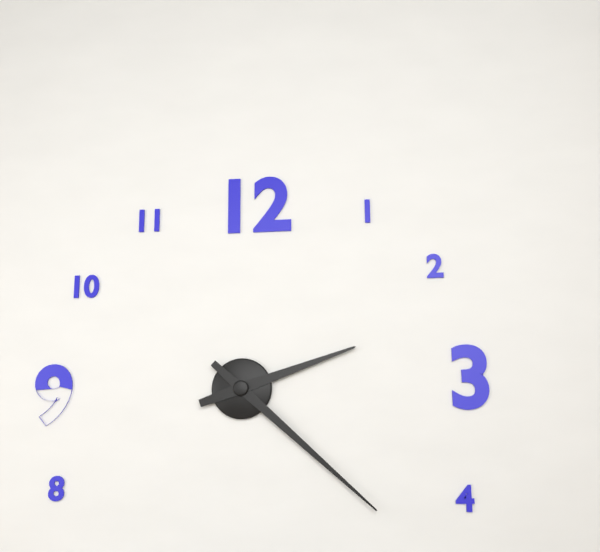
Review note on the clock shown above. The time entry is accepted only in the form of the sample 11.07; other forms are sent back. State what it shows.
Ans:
2.22
